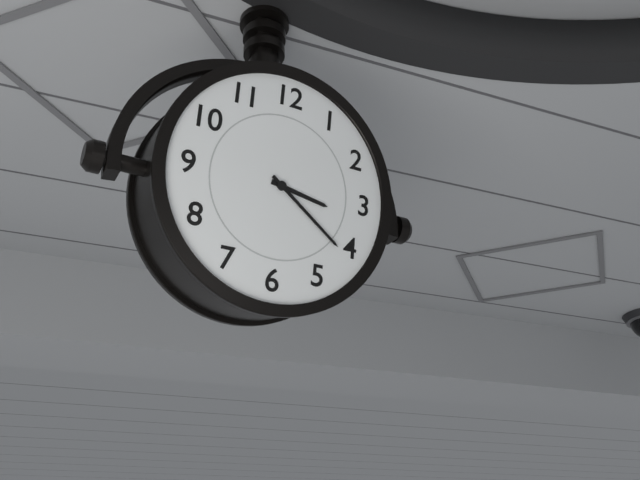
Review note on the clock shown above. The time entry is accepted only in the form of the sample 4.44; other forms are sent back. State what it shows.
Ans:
3.21
